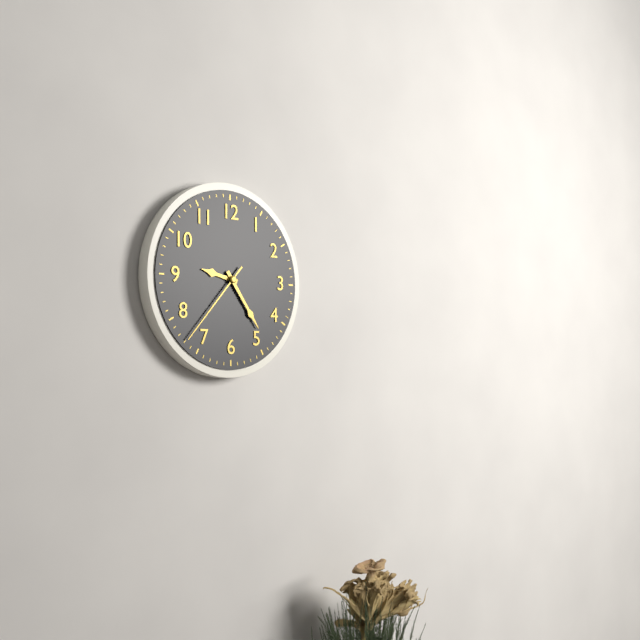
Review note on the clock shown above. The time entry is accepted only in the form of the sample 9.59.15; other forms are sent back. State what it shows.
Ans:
9.24.37
